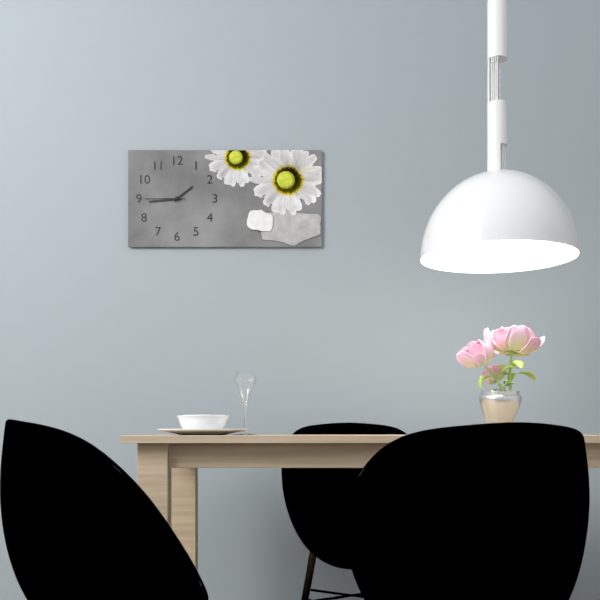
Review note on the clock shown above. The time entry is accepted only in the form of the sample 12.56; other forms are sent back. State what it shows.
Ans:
1.44
